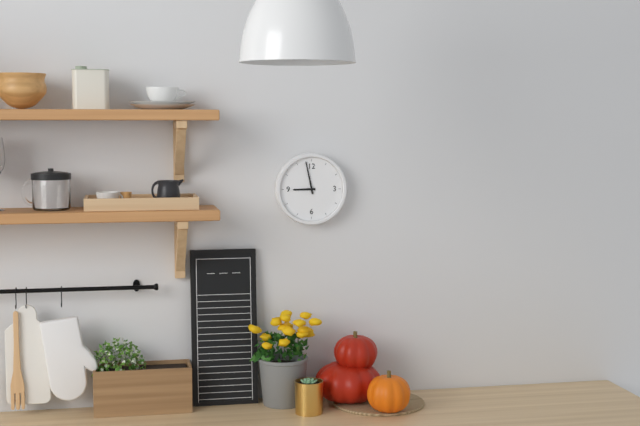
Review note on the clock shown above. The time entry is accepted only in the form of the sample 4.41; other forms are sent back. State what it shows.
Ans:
8.58
